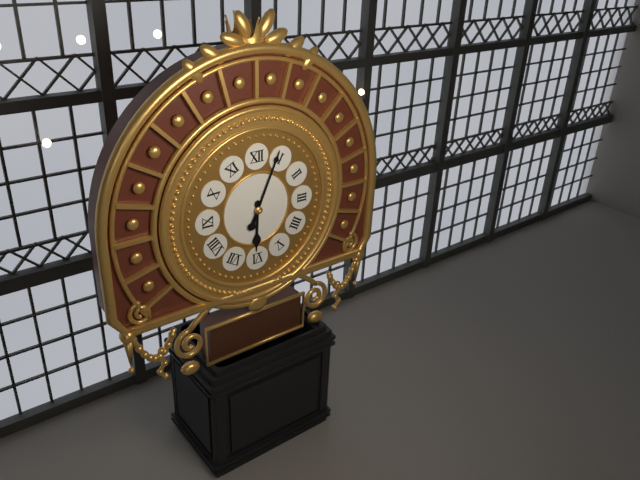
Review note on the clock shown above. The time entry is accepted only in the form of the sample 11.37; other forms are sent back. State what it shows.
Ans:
6.04
